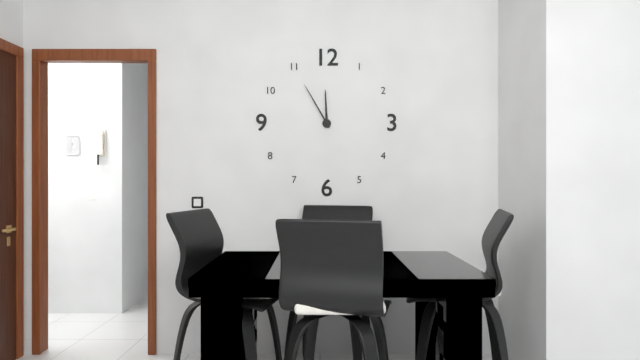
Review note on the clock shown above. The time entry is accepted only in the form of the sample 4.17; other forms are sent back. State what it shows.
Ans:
11.55
